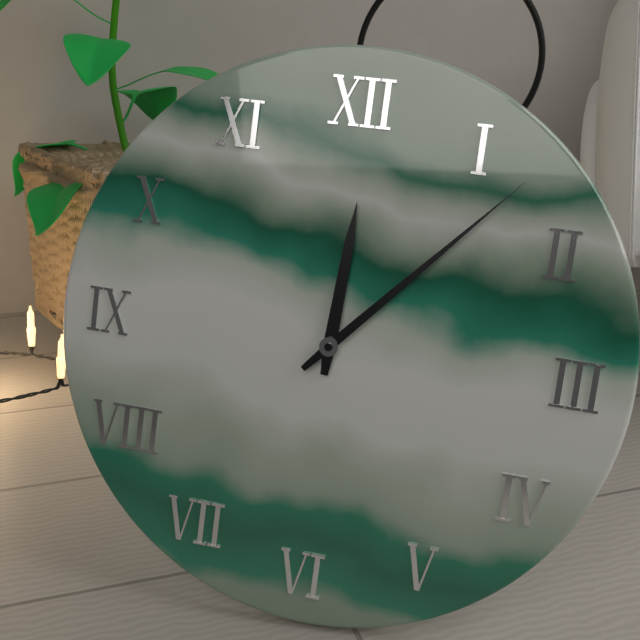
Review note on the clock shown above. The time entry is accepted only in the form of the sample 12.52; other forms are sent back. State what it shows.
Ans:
12.07
